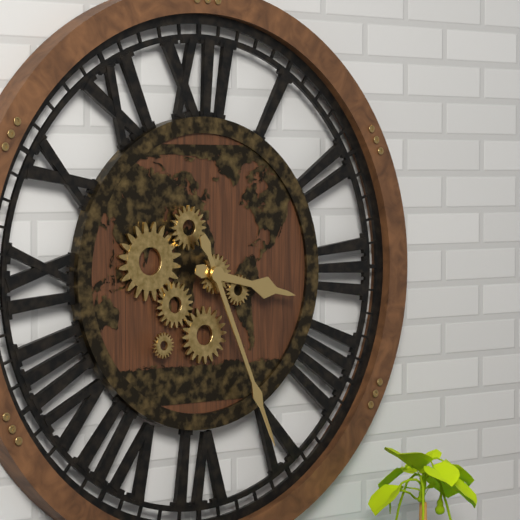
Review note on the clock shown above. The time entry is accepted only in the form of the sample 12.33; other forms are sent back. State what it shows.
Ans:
3.26
